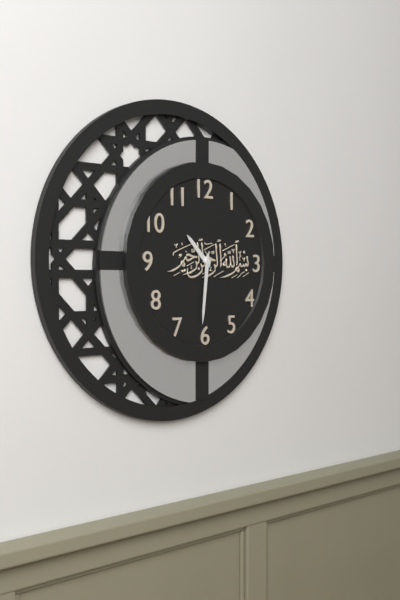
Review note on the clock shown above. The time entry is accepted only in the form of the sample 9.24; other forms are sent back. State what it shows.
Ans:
10.31
